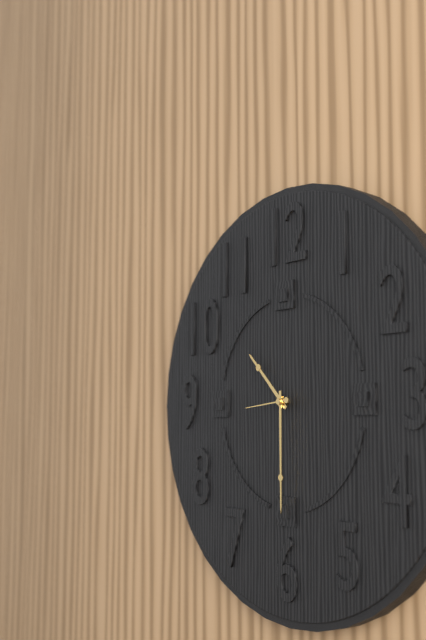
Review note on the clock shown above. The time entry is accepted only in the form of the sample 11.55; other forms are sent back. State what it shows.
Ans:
10.30
